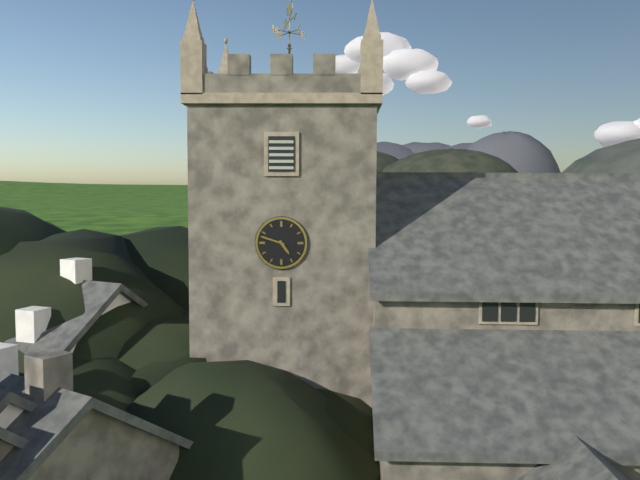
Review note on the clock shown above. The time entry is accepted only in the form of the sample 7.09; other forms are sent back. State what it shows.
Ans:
4.48
